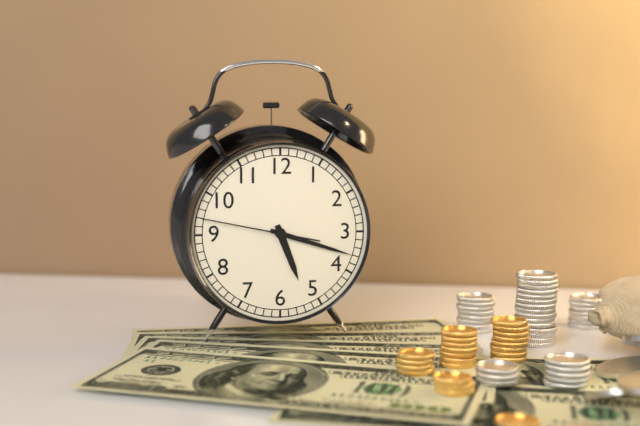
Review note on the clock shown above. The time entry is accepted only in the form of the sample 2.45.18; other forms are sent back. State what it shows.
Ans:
5.18.47
